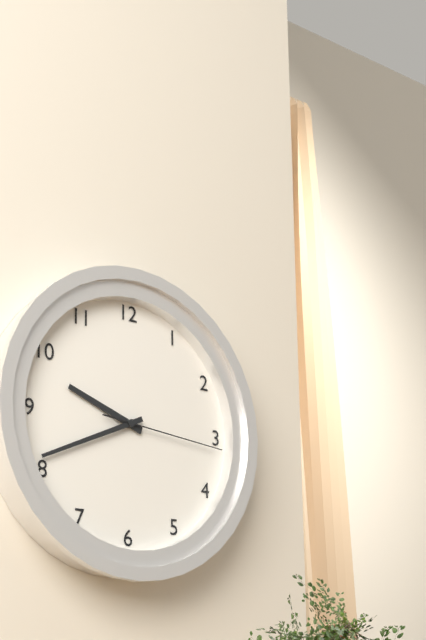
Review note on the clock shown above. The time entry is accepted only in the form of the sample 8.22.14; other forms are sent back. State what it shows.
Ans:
9.41.16
